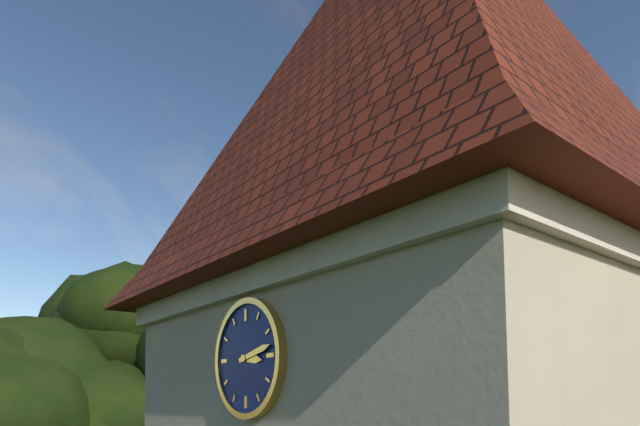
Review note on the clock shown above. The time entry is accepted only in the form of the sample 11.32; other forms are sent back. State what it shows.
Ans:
3.13
